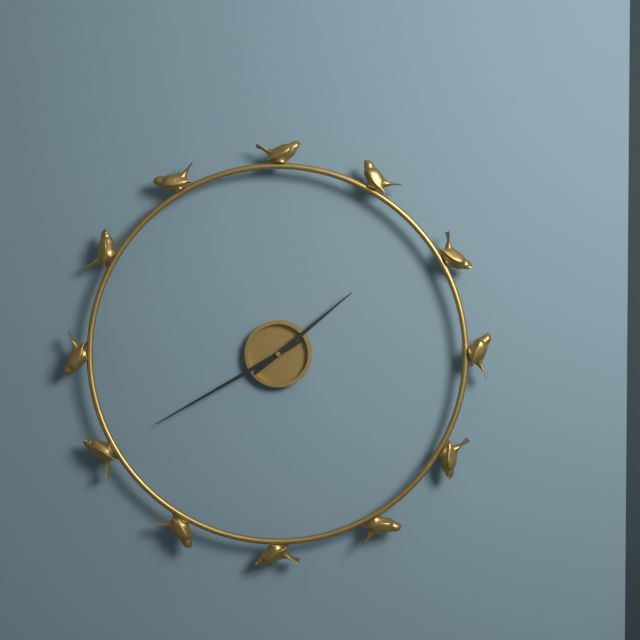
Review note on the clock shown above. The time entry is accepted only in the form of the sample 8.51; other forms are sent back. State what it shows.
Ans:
1.40
